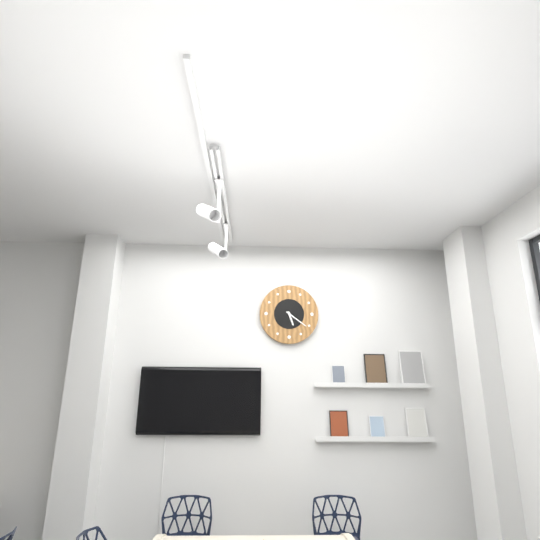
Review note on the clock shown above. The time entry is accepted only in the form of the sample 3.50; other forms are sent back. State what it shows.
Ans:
5.21
